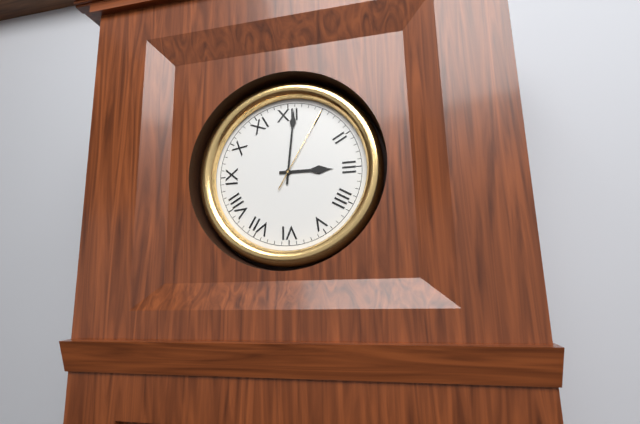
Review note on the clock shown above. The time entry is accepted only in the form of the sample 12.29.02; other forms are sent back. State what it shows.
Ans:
3.01.05
